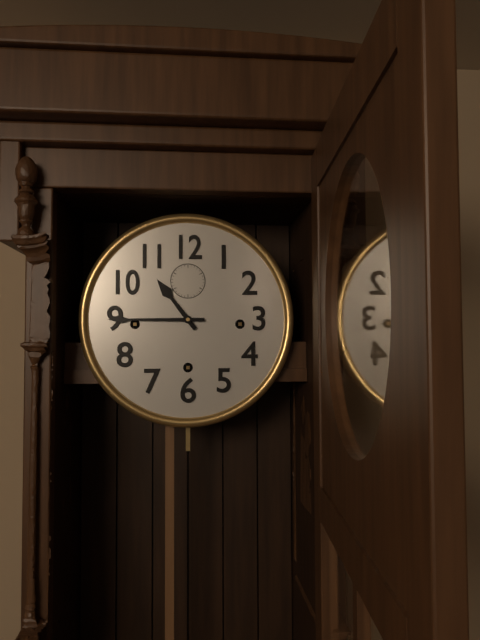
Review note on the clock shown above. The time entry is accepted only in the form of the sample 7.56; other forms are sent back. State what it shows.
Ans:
10.45
